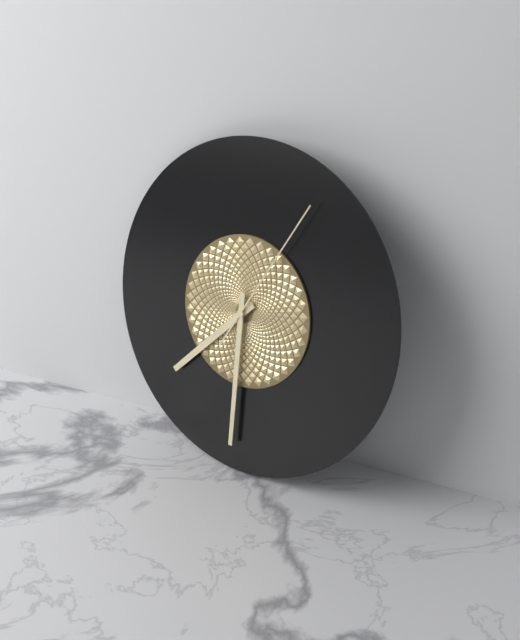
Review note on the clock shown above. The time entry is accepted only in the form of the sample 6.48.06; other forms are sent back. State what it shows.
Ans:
7.30.05
